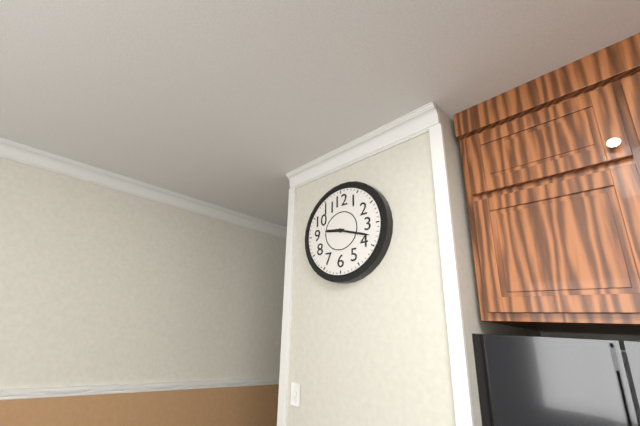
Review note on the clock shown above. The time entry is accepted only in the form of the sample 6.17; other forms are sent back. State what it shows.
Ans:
9.18
